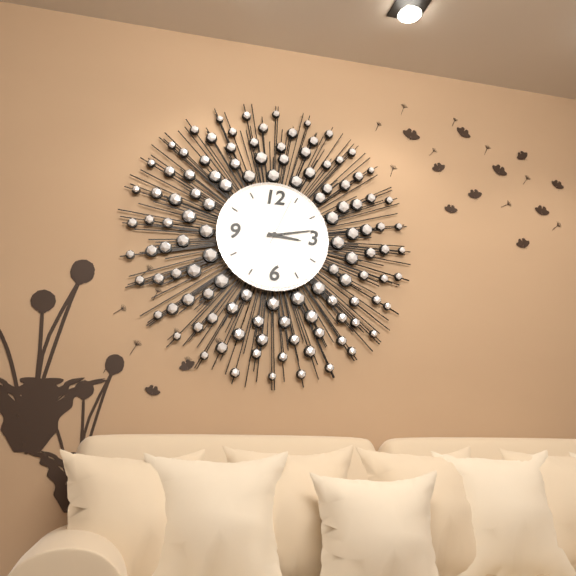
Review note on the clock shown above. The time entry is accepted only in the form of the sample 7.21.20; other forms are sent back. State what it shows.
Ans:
3.13.04
